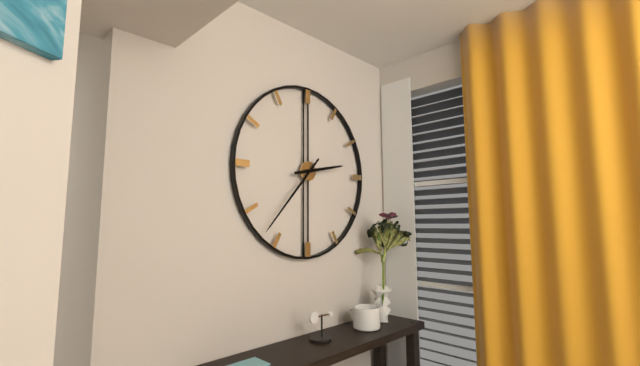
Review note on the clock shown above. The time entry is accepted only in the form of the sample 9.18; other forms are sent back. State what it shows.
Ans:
2.37
